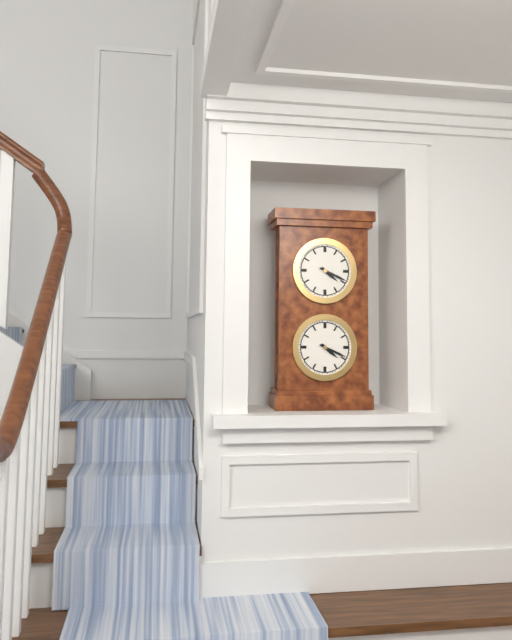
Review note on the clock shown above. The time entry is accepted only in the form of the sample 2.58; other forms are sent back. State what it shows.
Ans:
4.19
